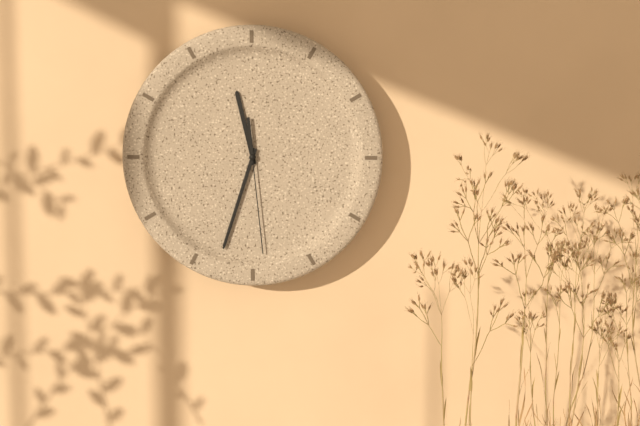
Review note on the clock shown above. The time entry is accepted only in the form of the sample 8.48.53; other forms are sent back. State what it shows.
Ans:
11.33.29
